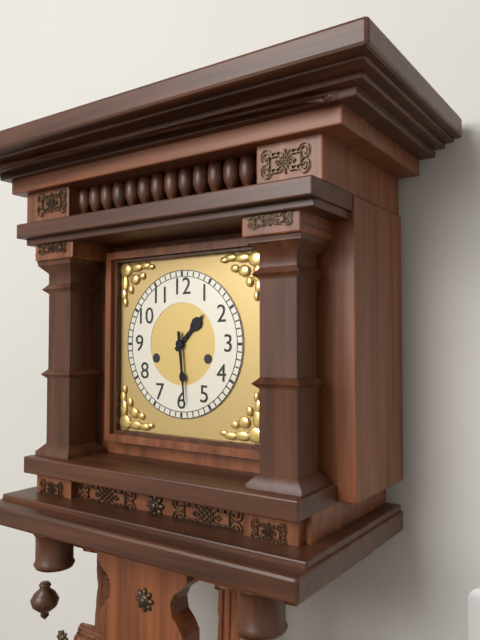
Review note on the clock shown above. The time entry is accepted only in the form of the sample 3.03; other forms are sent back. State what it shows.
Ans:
1.29
